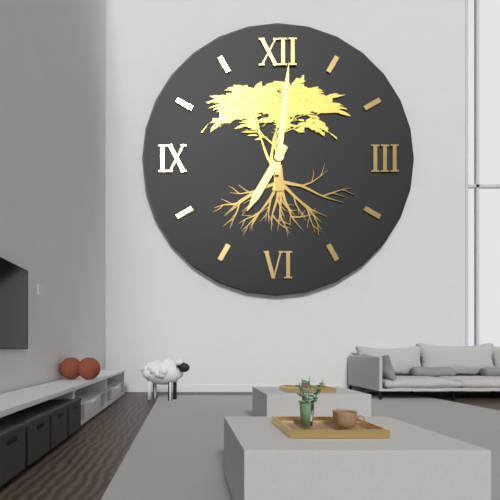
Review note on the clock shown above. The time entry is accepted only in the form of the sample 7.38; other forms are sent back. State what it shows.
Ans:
7.01
